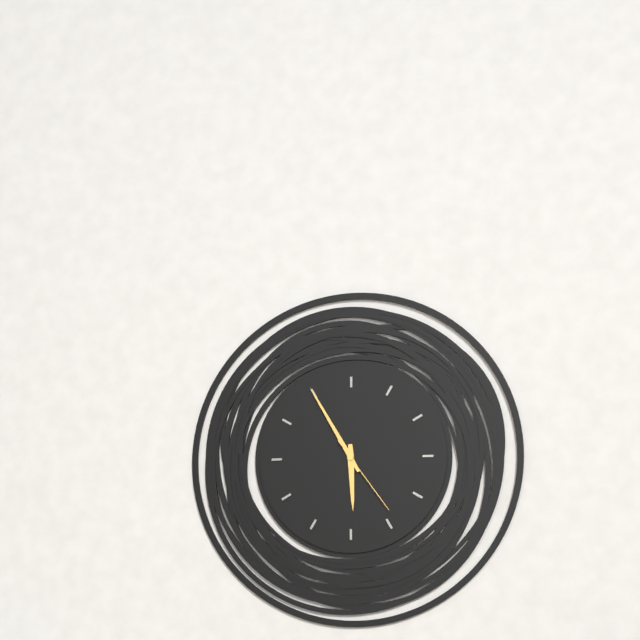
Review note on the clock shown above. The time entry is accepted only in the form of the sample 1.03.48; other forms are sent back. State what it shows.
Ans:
5.55.24
